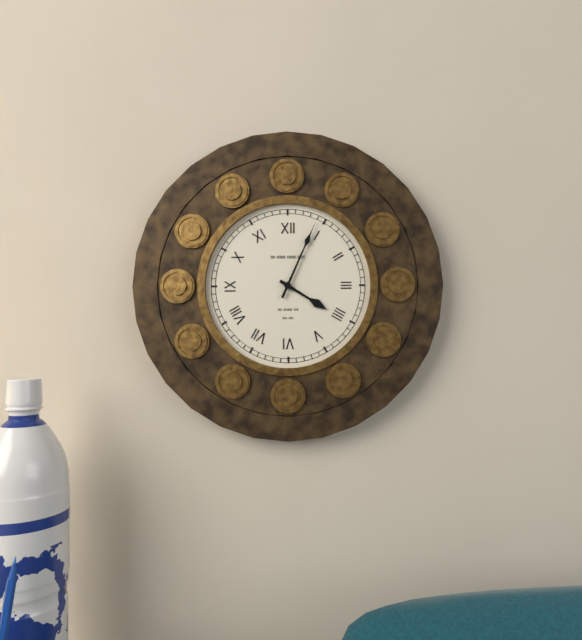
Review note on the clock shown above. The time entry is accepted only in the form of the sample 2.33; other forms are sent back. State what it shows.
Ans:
4.04
